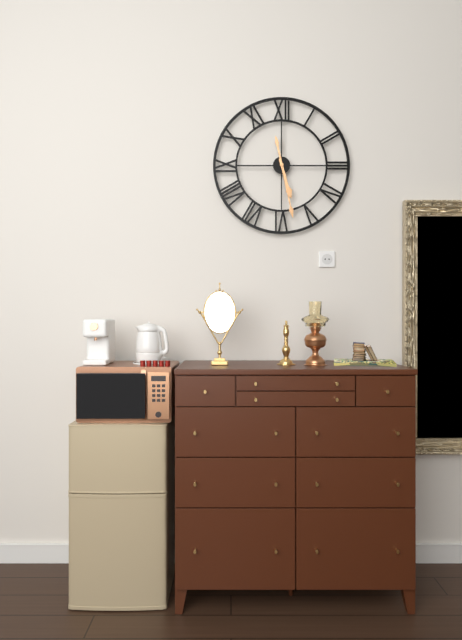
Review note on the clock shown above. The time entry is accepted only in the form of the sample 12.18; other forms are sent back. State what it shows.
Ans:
5.28
